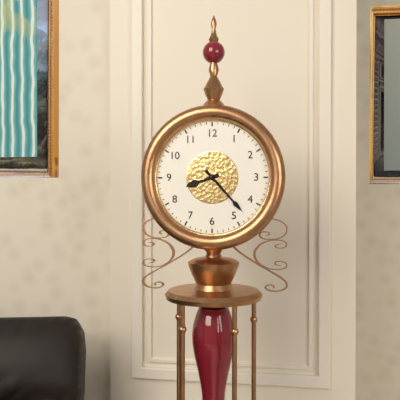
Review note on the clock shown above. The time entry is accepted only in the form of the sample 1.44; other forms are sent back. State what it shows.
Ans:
8.23
